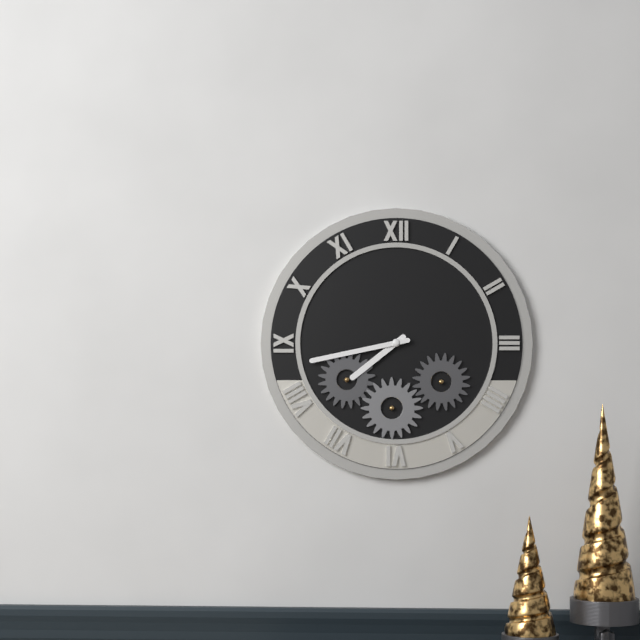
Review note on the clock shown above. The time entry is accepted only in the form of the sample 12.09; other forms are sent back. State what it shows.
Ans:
7.43
